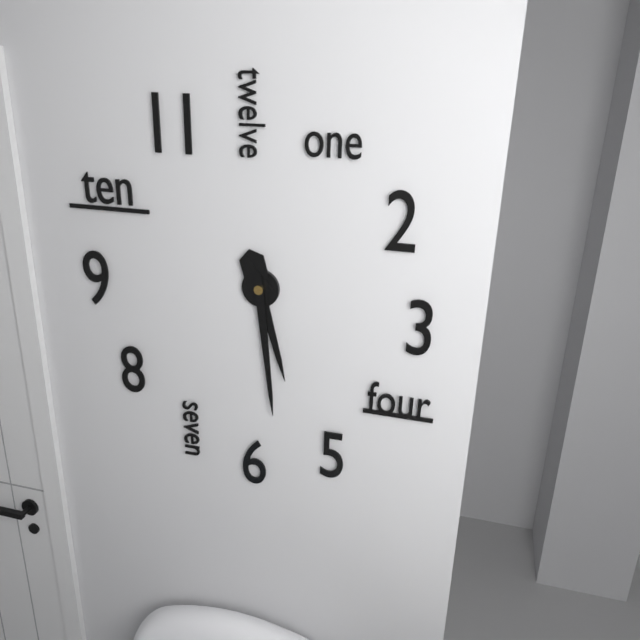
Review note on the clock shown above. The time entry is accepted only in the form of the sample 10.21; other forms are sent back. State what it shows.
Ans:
5.29
